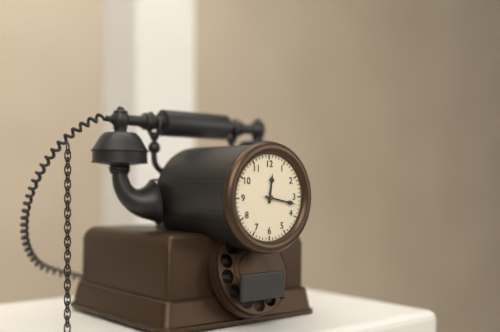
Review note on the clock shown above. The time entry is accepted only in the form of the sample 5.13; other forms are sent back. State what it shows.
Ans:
12.17
